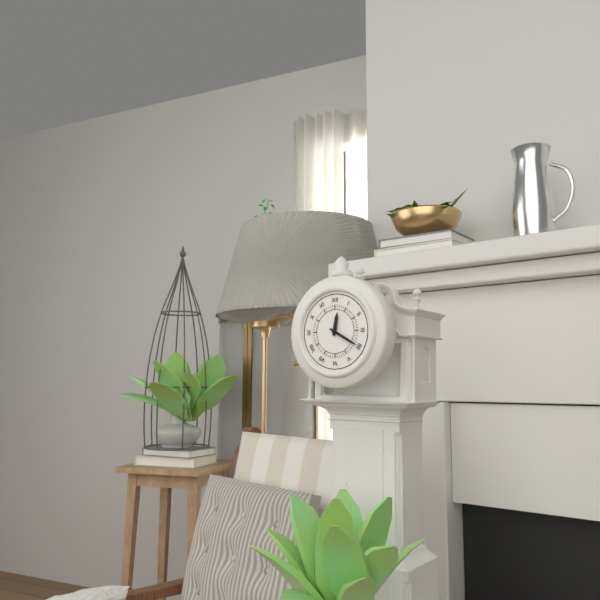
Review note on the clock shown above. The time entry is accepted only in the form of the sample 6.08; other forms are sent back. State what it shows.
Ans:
12.20
